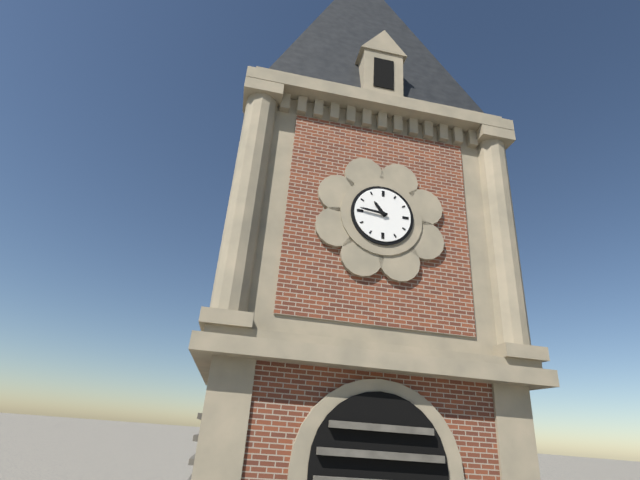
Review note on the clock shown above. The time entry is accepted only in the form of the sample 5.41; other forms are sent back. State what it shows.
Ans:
10.46
